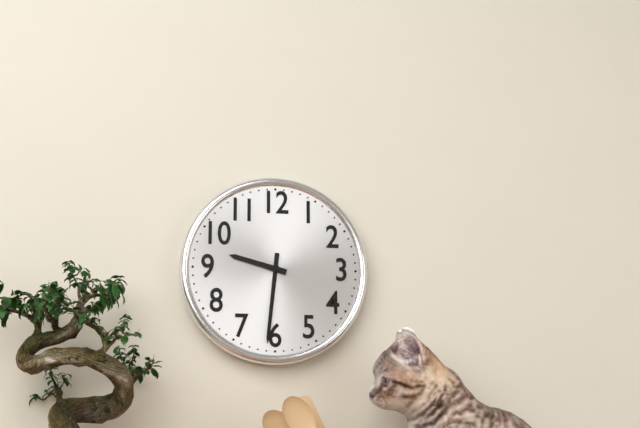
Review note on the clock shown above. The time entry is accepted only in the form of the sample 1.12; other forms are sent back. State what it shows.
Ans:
9.31
